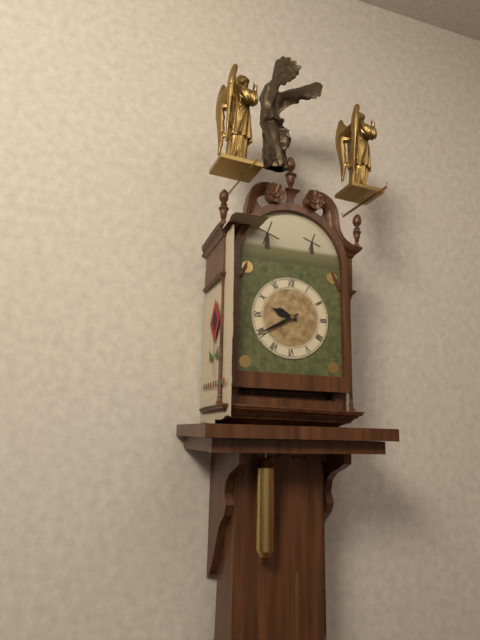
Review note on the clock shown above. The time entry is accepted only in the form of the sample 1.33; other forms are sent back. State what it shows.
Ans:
9.40
